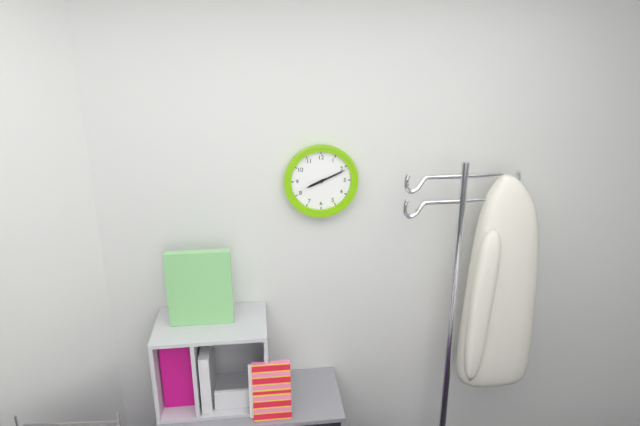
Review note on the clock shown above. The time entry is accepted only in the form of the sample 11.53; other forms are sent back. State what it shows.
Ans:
8.11
